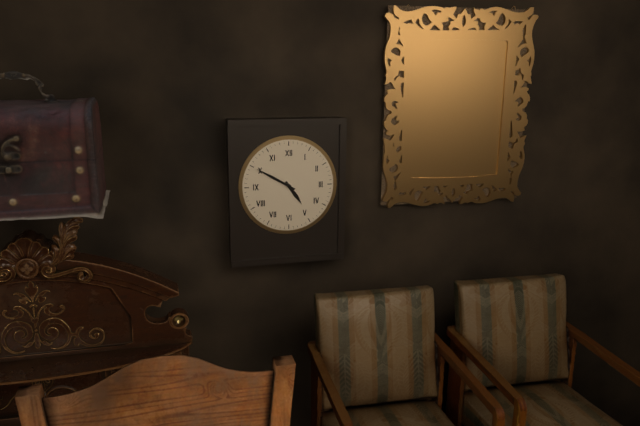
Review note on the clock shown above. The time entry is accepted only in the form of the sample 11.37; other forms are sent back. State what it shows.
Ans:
4.50
